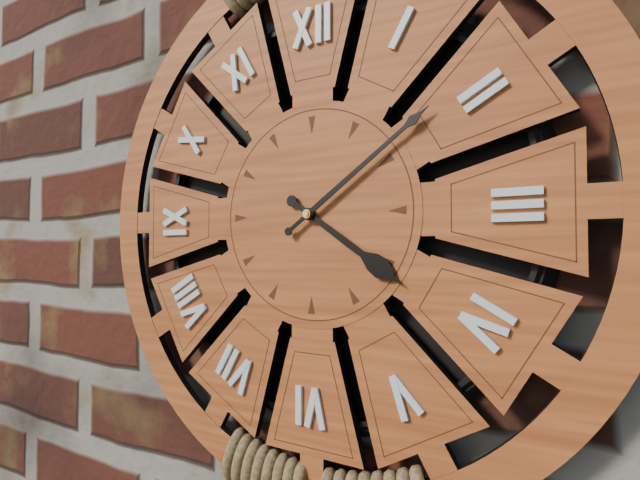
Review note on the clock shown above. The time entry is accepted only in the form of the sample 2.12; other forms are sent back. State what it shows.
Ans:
4.09
